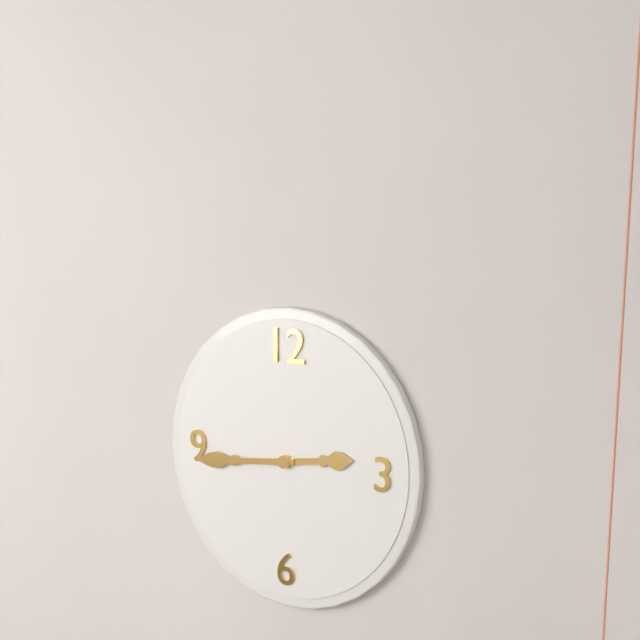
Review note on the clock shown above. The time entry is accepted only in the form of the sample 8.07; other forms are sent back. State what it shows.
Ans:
2.44
